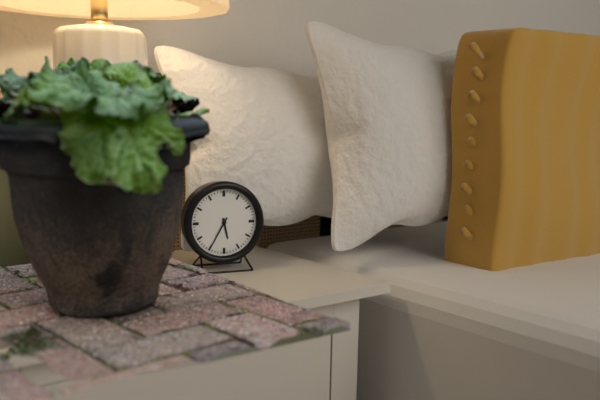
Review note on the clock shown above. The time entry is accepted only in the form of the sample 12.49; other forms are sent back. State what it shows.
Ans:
5.35
